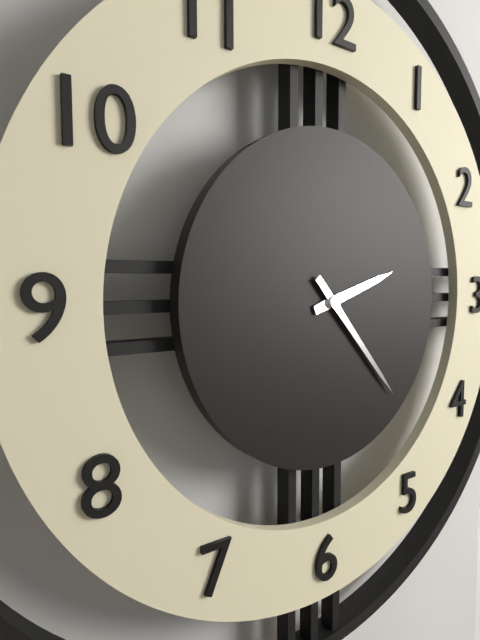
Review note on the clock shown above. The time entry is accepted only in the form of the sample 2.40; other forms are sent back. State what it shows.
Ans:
2.23
